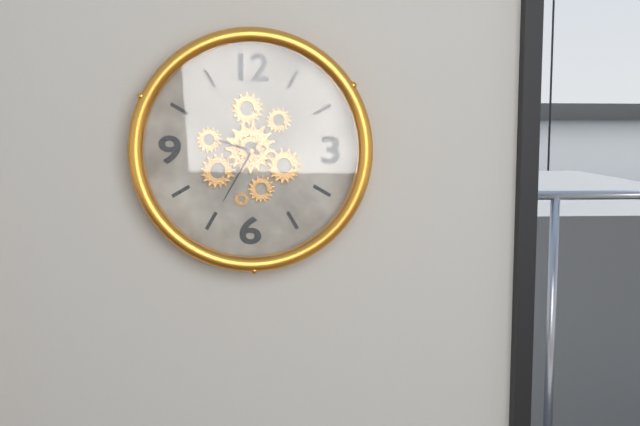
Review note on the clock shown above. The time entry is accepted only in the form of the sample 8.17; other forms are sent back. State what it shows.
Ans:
9.35
